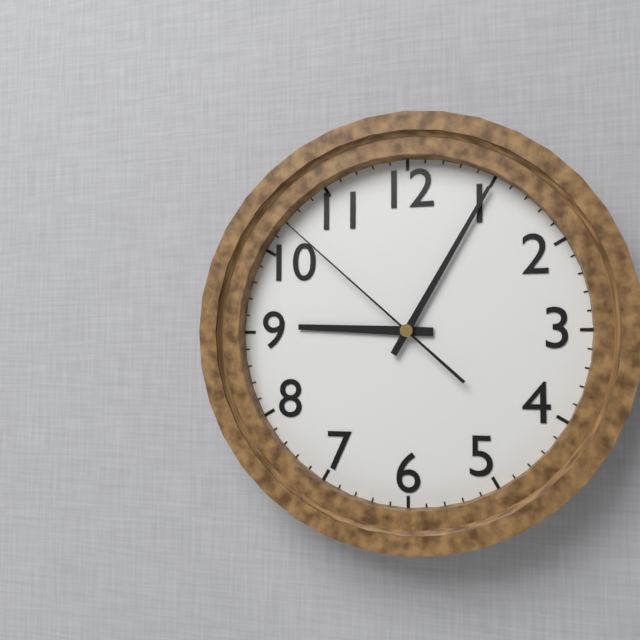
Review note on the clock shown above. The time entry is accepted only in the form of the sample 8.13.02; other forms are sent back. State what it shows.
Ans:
9.05.52
